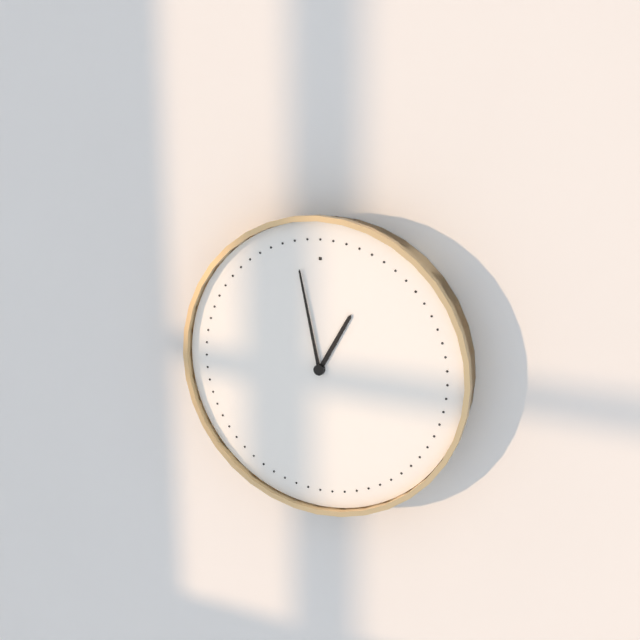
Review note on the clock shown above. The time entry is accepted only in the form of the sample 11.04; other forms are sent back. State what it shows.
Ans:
12.58
